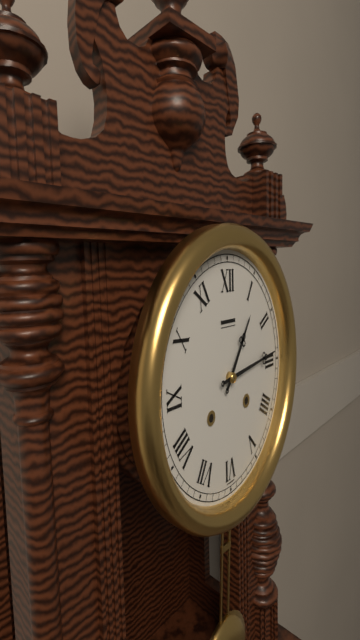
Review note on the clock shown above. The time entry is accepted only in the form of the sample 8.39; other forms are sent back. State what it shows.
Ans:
1.14
